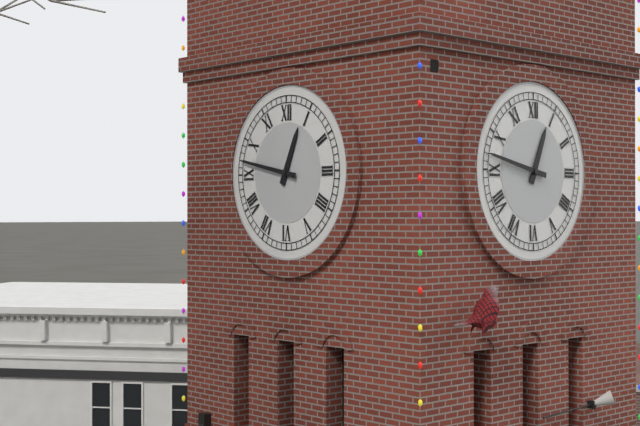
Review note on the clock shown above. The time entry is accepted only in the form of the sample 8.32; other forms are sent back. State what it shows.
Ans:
12.47
